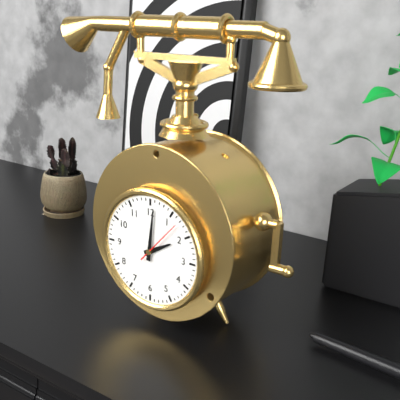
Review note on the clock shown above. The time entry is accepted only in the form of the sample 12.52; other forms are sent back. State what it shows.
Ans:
2.01
